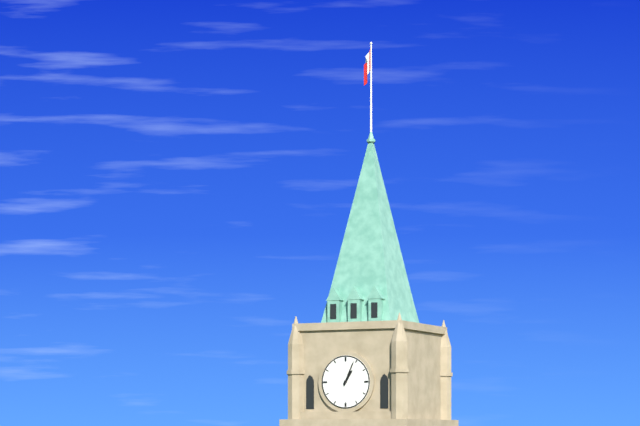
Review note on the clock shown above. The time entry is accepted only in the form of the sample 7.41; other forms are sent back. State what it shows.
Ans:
1.04
